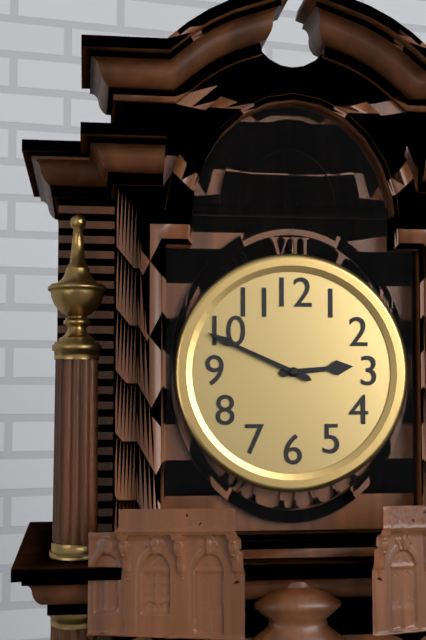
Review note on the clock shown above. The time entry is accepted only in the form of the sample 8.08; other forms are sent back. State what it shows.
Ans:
2.49
